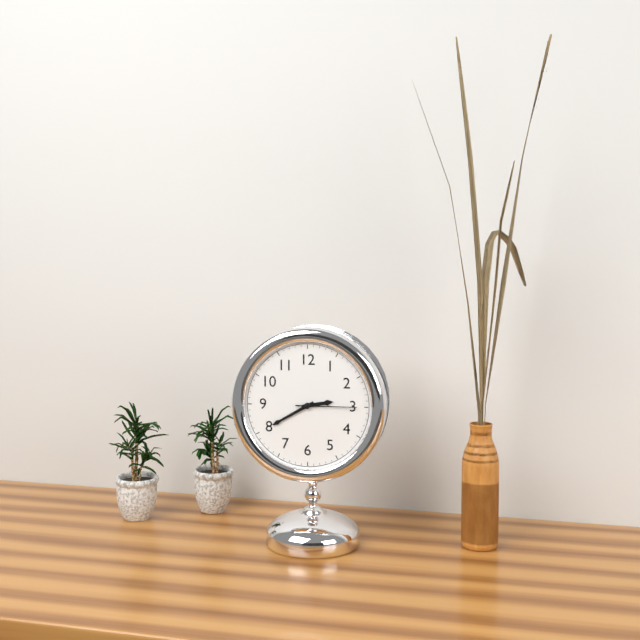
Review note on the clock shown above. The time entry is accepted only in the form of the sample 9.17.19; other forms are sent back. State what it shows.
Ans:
2.40.15
